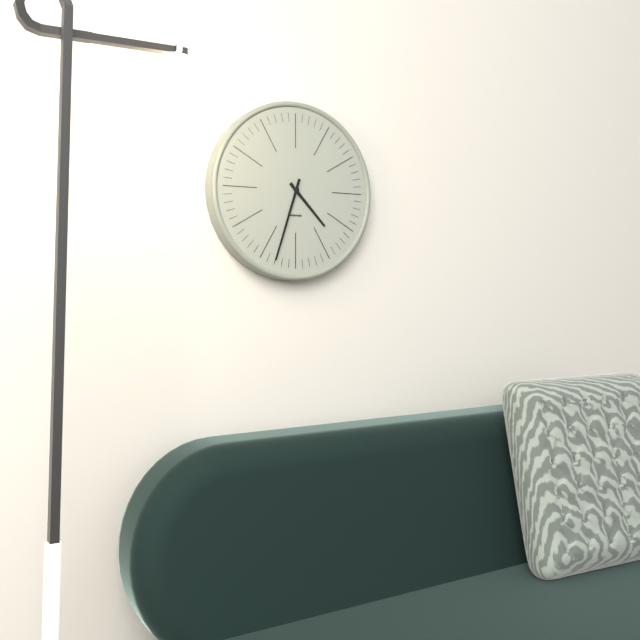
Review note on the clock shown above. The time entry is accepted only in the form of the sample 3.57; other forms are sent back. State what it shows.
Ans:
4.33
